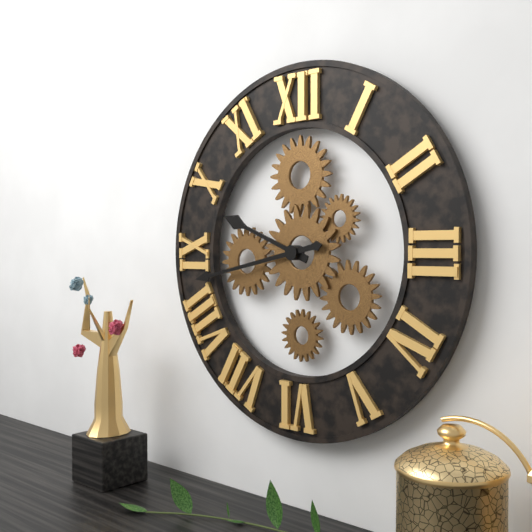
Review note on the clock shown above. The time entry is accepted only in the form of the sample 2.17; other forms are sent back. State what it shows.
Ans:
9.43
